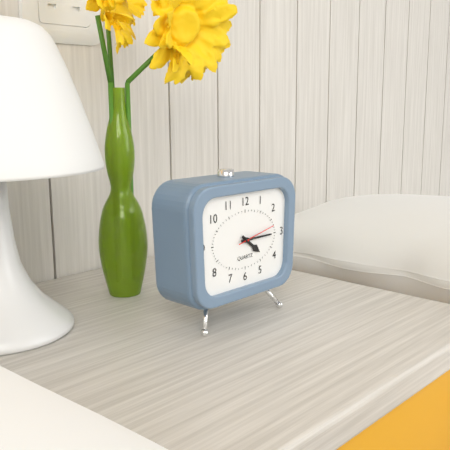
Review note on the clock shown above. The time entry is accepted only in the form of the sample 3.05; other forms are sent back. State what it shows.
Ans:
4.15
